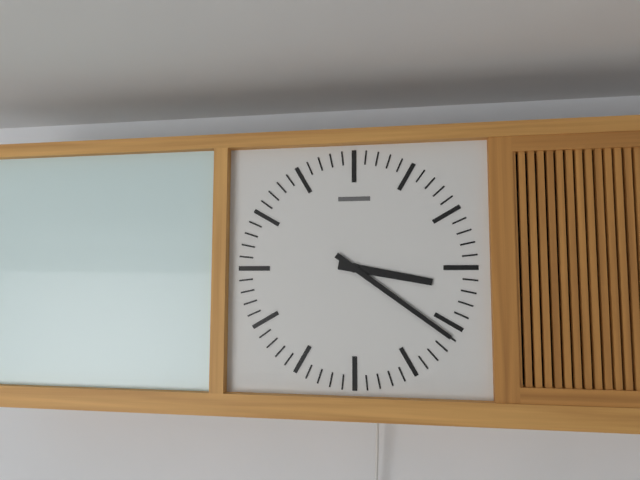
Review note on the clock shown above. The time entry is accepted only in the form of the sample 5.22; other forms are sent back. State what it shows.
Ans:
3.21
